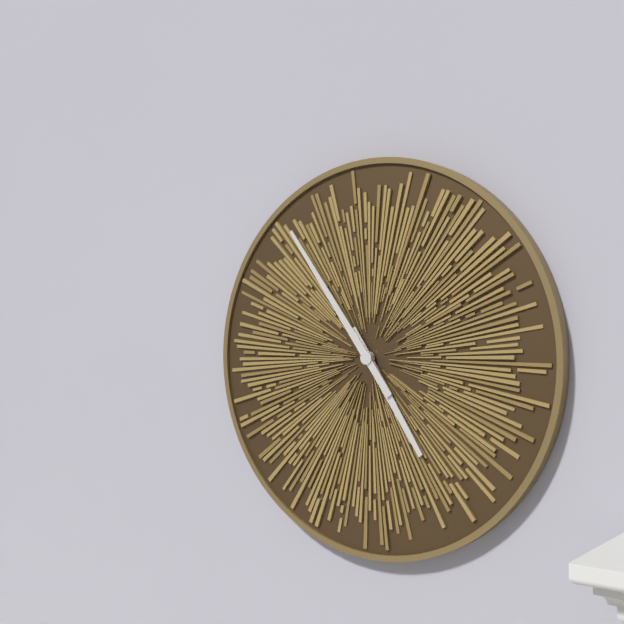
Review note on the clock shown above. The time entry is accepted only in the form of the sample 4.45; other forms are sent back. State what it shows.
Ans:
4.54
